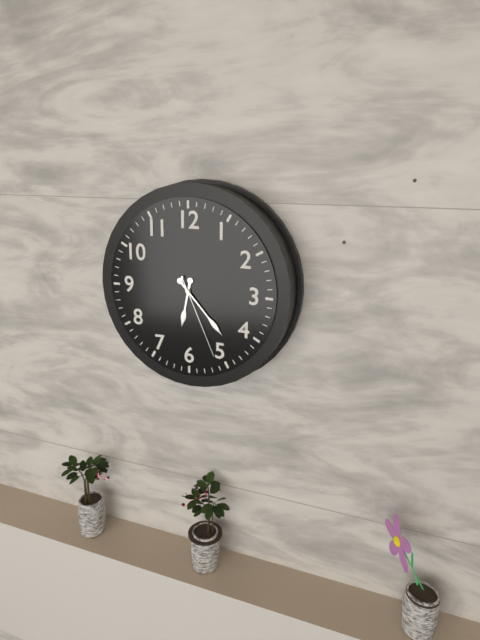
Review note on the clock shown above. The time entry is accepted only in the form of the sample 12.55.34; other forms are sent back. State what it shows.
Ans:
6.23.26
